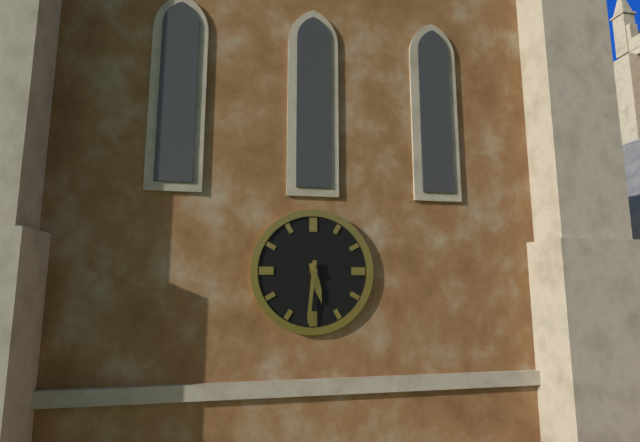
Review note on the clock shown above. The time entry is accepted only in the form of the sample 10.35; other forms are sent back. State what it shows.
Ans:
5.31
